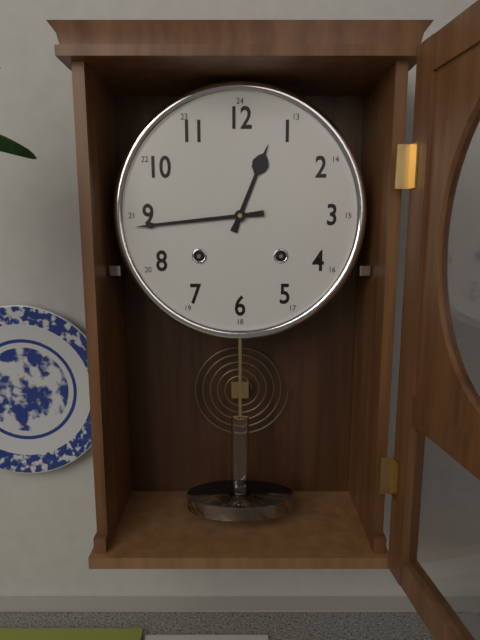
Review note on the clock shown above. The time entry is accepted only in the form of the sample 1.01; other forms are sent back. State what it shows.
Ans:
12.44
